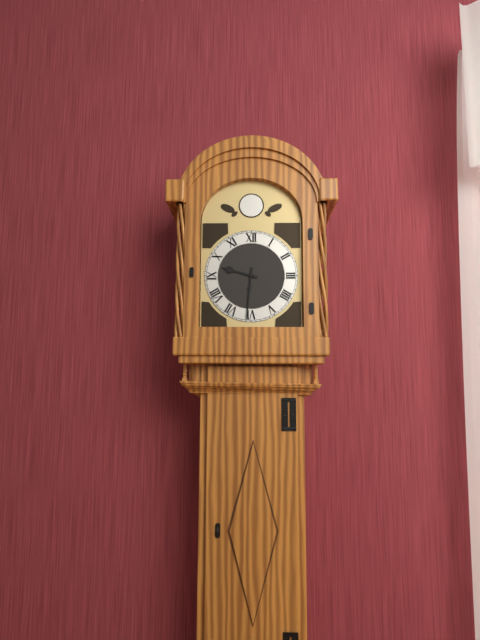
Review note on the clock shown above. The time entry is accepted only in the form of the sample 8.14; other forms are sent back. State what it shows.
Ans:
9.31
